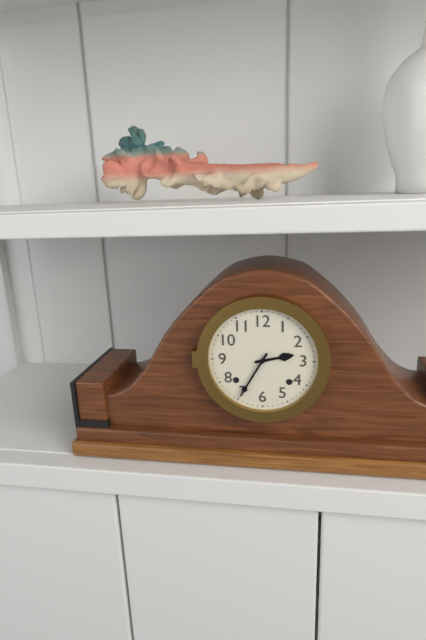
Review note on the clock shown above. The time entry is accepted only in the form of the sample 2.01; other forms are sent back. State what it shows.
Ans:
2.35
